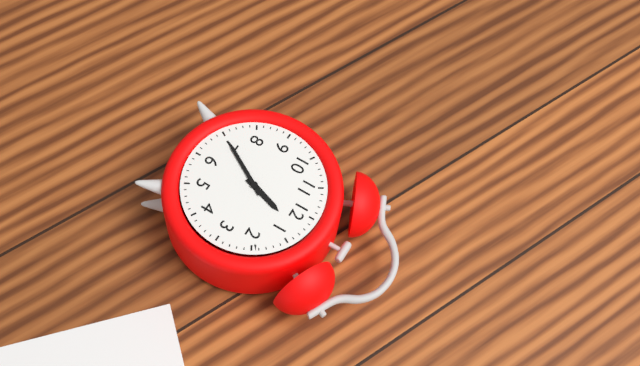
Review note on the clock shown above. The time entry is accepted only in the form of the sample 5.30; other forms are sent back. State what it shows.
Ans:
12.35
